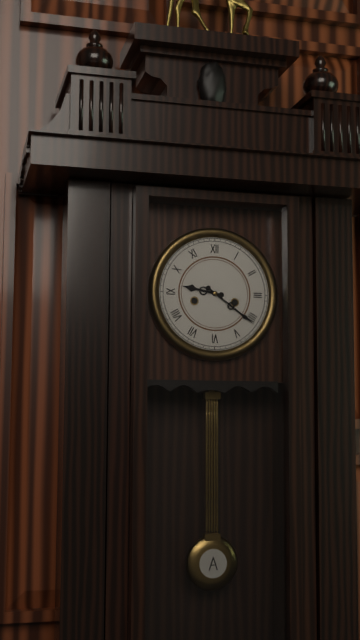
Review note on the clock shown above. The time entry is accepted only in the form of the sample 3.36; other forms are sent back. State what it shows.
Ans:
9.21
